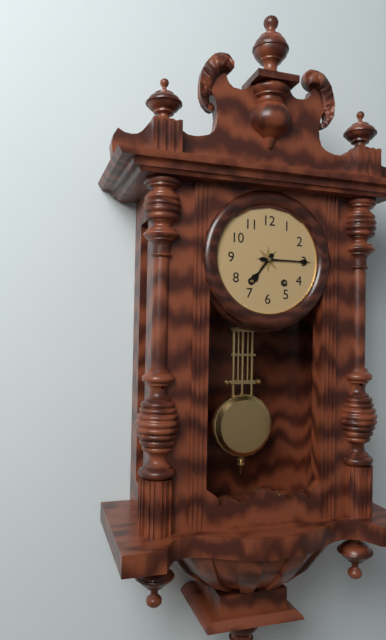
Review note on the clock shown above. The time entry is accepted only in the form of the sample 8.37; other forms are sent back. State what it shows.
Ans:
7.15
